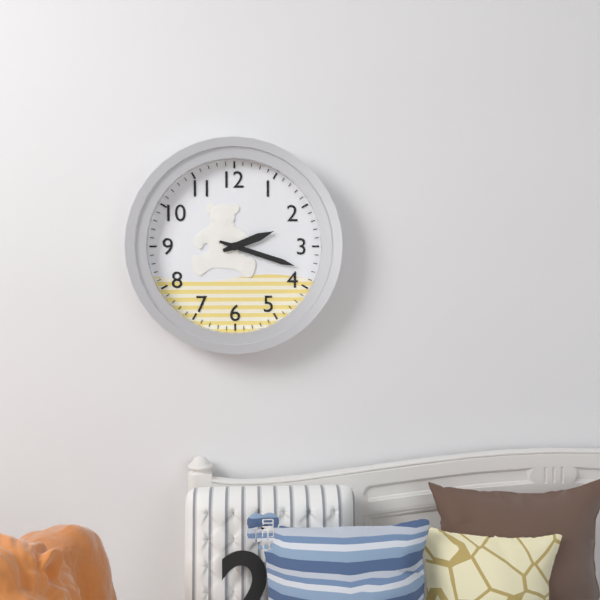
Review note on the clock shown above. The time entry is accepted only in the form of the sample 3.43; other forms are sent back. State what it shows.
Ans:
2.18
